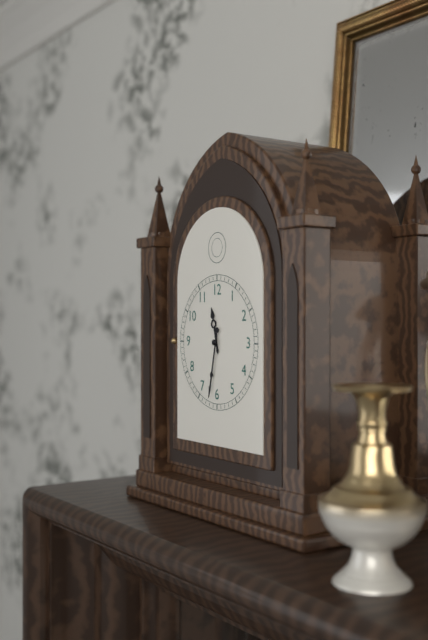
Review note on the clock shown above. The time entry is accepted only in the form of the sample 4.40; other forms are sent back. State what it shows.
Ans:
11.32
